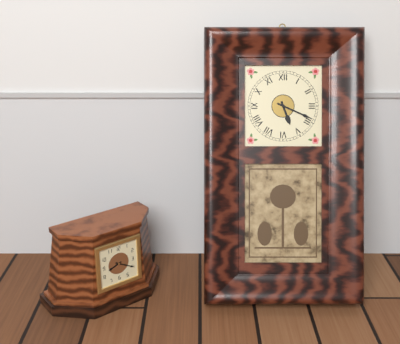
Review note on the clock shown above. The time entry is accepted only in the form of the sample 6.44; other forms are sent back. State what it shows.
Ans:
5.19
